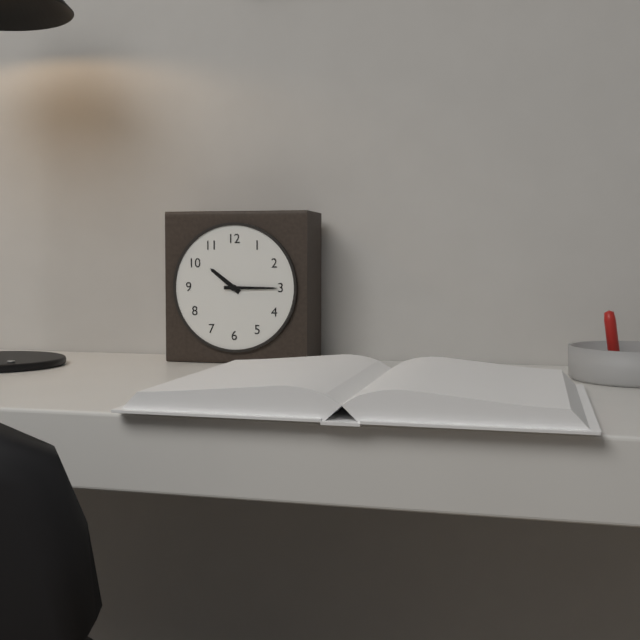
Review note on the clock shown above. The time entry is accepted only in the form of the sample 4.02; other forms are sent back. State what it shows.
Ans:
10.15
